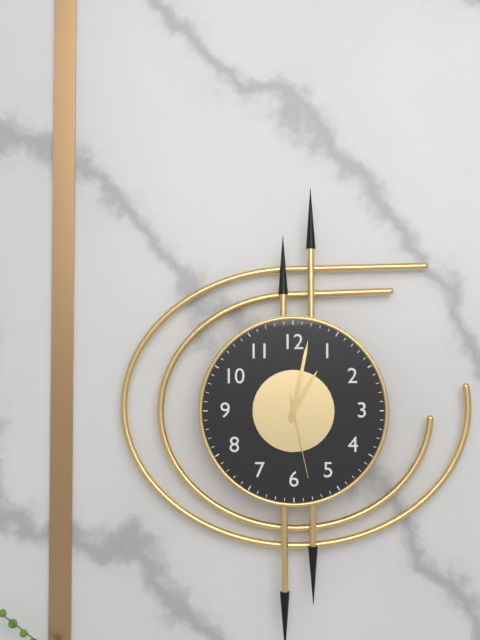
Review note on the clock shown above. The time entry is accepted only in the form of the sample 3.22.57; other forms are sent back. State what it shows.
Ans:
1.02.28
